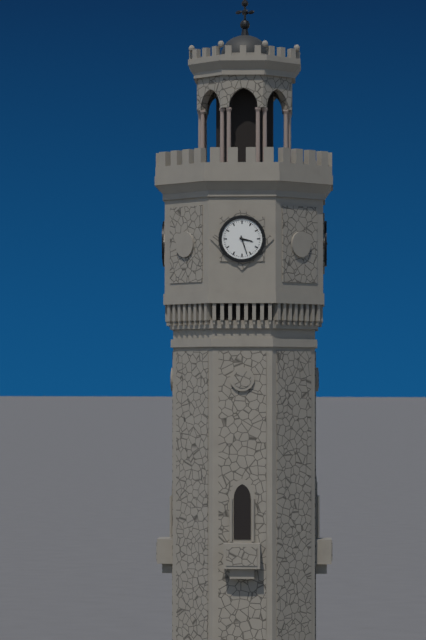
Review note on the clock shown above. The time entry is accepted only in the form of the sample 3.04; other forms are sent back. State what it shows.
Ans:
3.27
